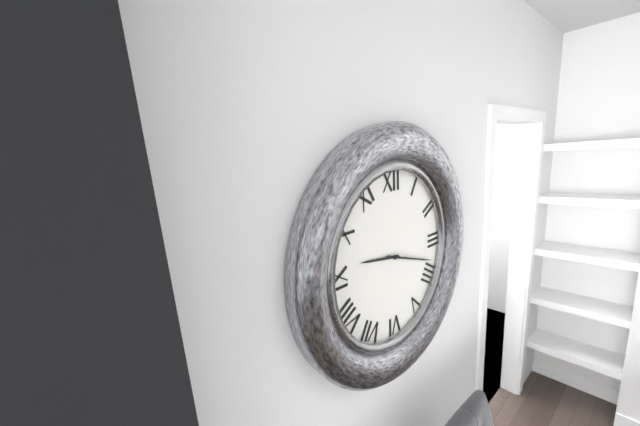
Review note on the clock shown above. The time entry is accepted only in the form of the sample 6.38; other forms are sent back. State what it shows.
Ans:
9.18
